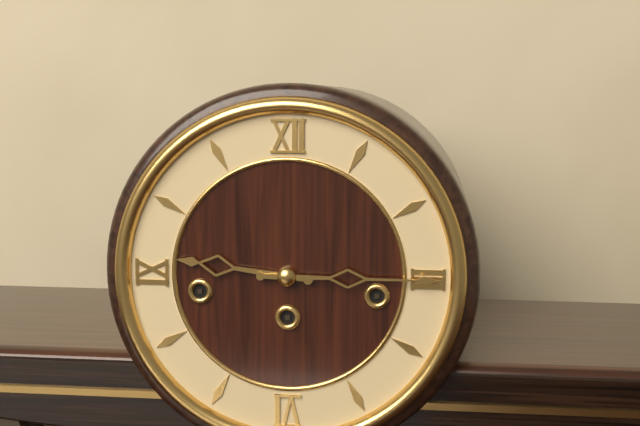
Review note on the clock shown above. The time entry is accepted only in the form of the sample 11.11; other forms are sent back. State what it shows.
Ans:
9.15
